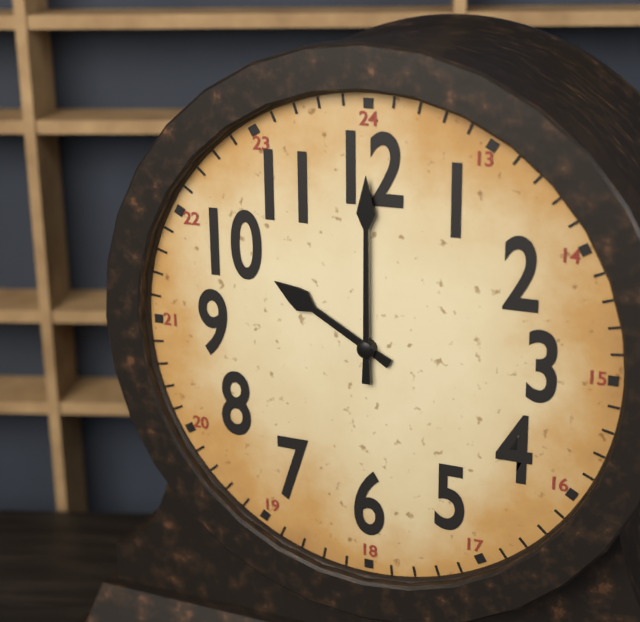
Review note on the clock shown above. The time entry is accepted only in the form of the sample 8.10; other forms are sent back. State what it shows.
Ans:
10.00
